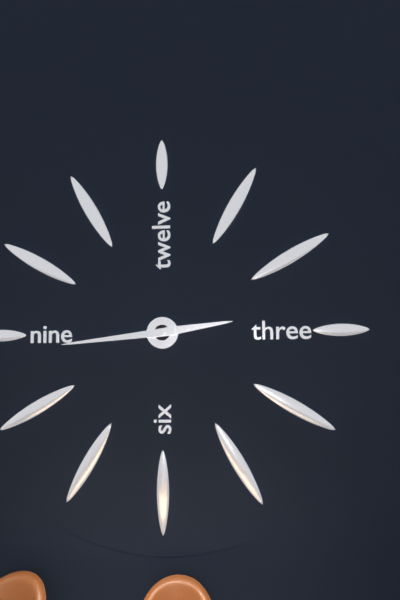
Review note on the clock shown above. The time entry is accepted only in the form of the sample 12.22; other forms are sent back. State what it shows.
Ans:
2.44
